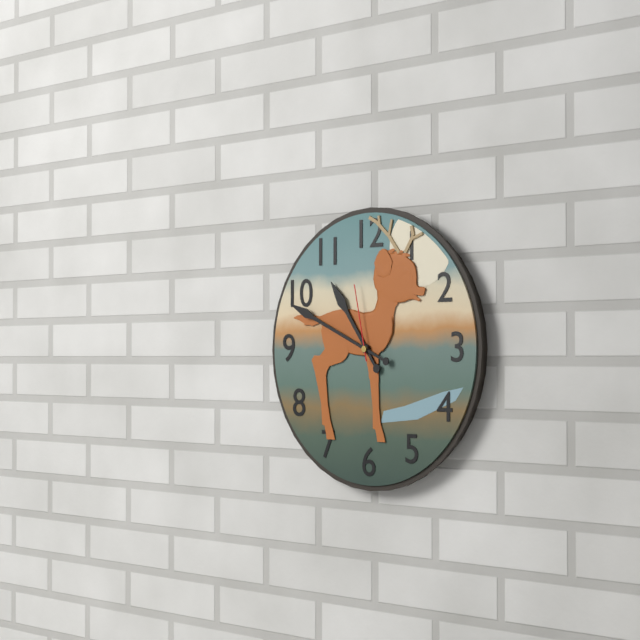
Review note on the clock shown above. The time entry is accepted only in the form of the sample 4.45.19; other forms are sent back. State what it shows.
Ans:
10.49.58
